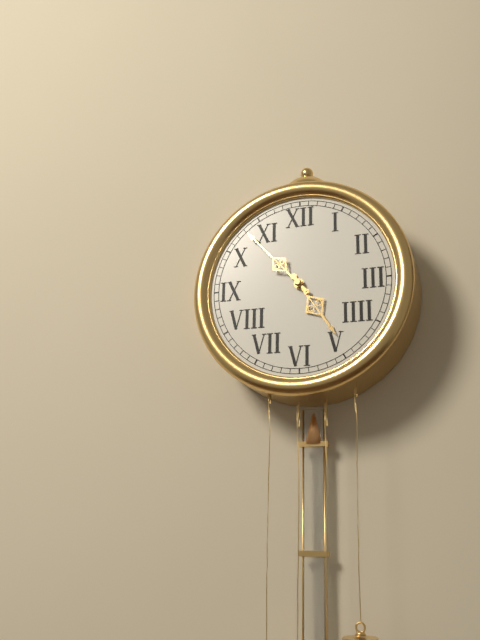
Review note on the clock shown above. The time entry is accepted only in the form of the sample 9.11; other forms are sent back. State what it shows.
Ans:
4.53
